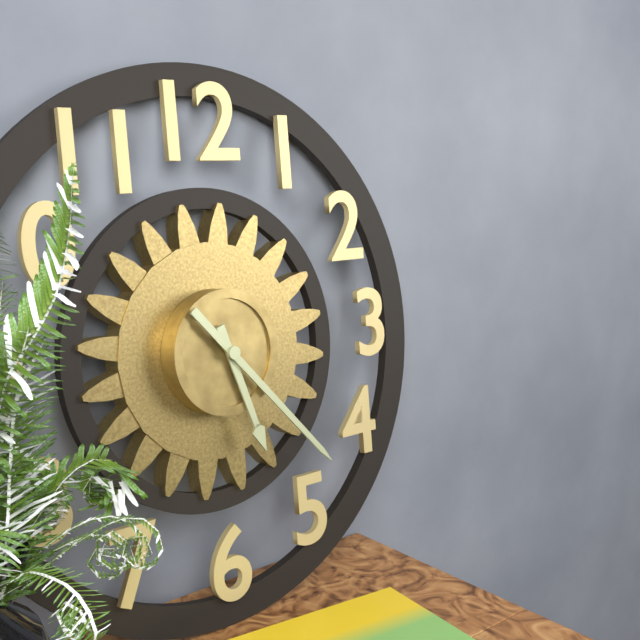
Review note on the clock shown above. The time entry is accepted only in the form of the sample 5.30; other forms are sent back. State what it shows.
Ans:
5.23
